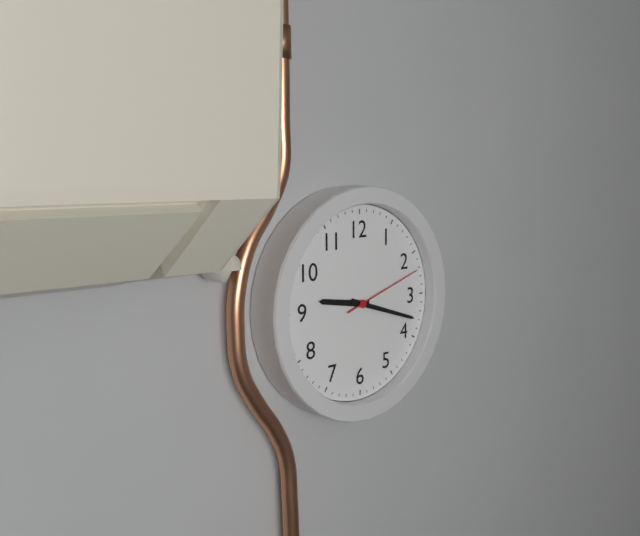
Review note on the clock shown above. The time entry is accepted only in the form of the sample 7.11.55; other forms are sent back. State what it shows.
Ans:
9.18.12
